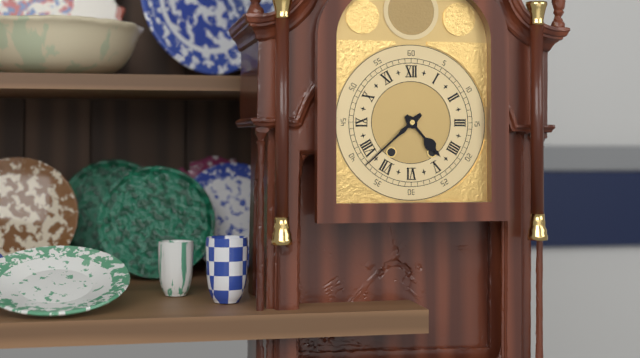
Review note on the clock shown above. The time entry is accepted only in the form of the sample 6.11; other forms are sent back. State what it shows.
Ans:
4.38
